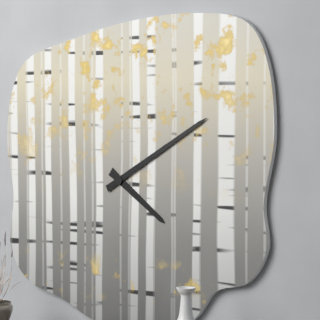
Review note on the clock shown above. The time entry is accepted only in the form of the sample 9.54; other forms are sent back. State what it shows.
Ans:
4.10
